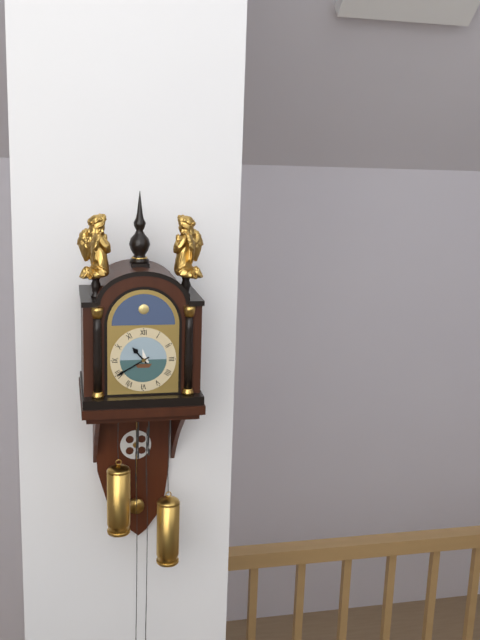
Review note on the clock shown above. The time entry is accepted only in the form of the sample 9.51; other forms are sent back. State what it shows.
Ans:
10.40
